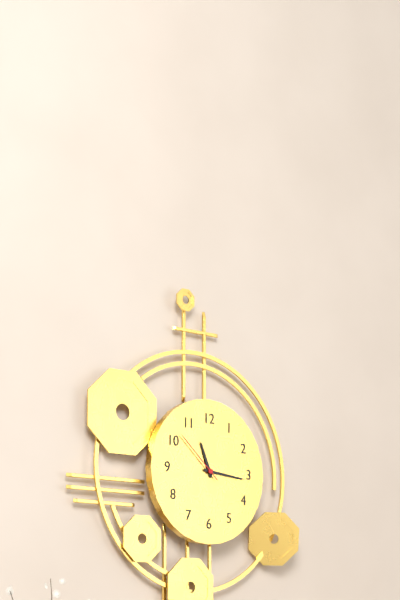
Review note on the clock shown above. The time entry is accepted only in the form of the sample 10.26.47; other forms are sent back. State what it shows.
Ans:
11.16.52
